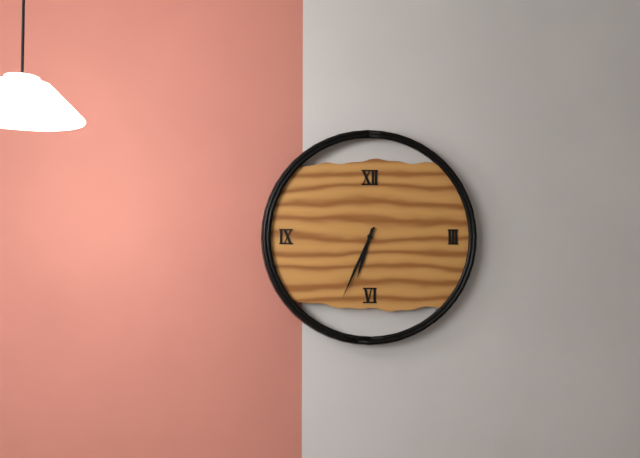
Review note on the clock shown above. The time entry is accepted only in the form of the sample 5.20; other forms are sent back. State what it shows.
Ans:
6.34
